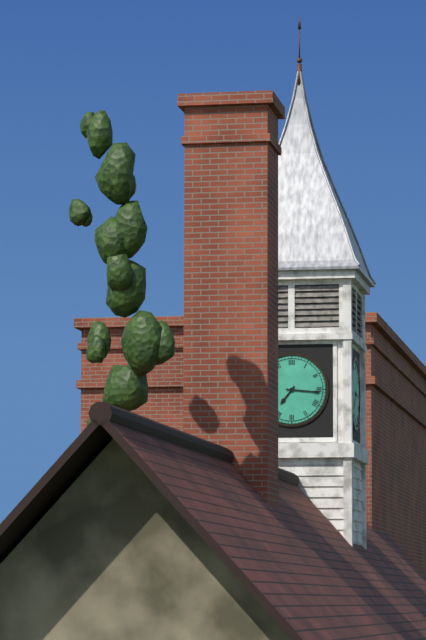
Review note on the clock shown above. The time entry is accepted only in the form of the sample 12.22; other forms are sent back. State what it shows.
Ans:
7.16
